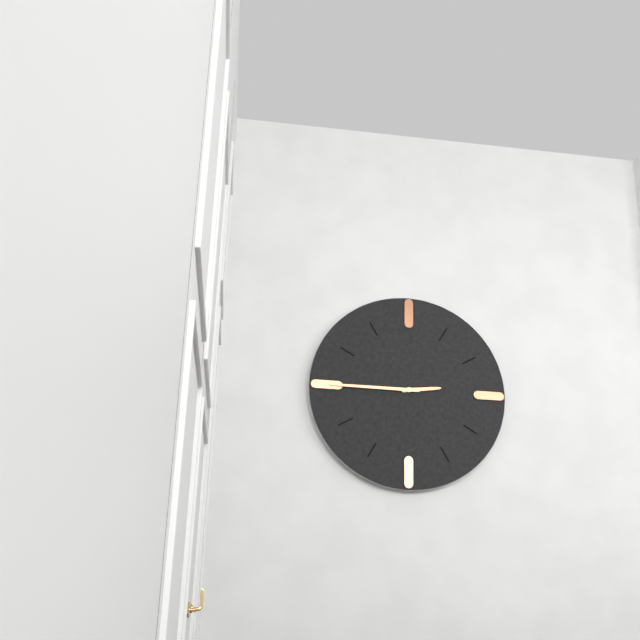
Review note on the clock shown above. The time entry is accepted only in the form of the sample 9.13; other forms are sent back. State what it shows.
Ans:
2.45
